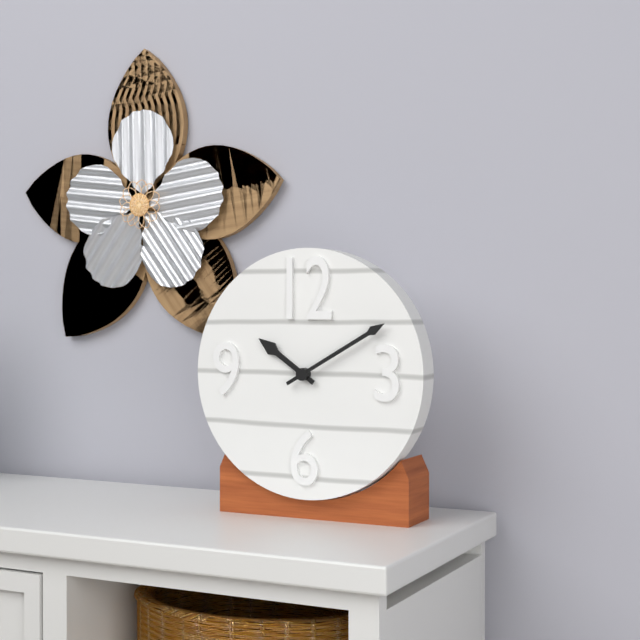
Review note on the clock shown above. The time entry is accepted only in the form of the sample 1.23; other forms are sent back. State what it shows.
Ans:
10.10
